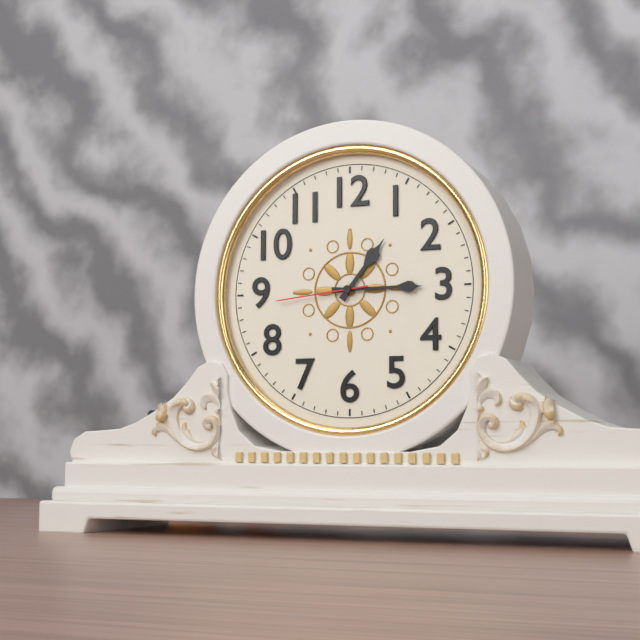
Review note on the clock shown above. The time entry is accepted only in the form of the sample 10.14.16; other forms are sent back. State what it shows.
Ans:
1.15.44
